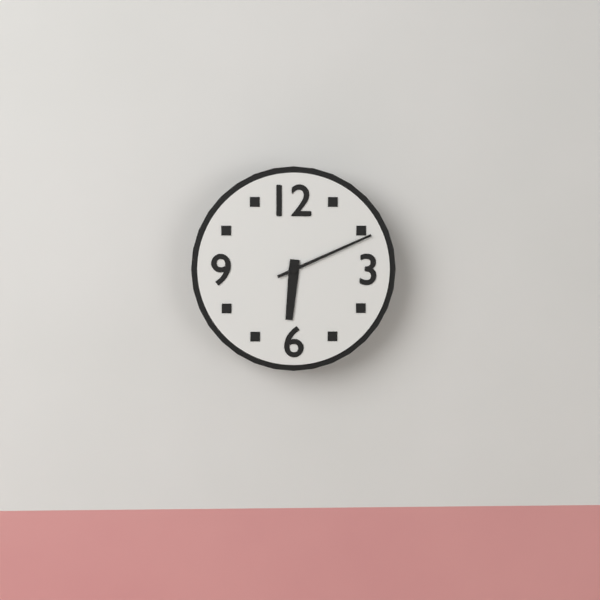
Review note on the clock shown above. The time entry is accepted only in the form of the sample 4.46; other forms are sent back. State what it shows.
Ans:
6.11
